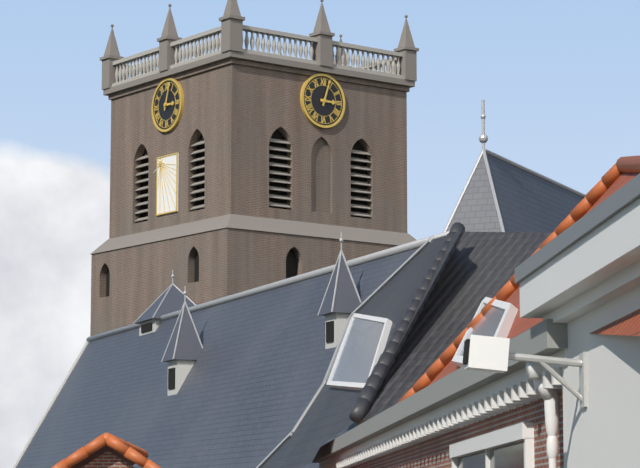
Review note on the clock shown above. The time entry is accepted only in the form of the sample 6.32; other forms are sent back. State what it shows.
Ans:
3.03
